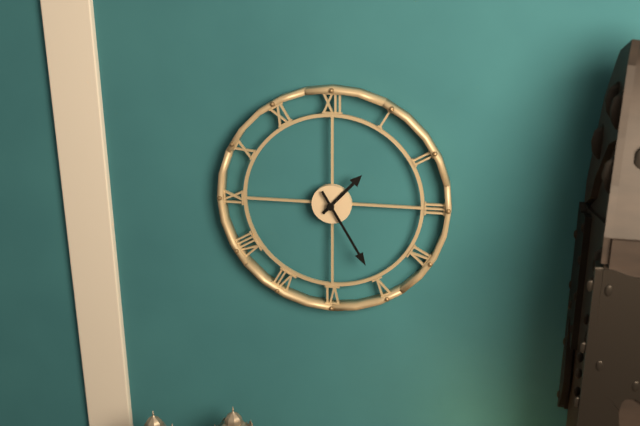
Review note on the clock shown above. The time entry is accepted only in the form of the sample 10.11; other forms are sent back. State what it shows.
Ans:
1.25
